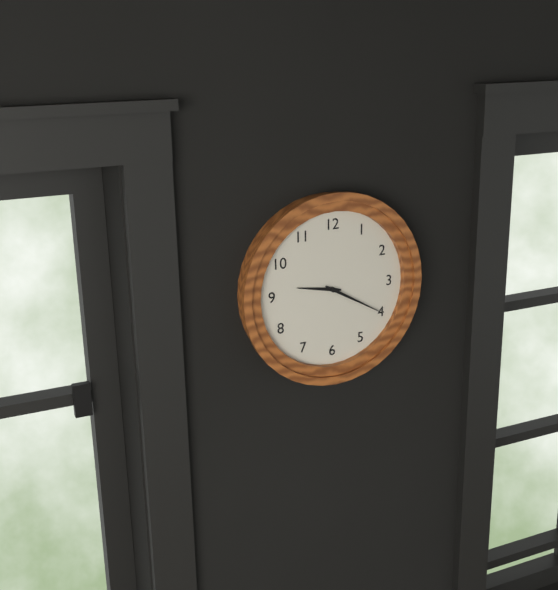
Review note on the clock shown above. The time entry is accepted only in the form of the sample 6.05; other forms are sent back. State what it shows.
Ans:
9.20
